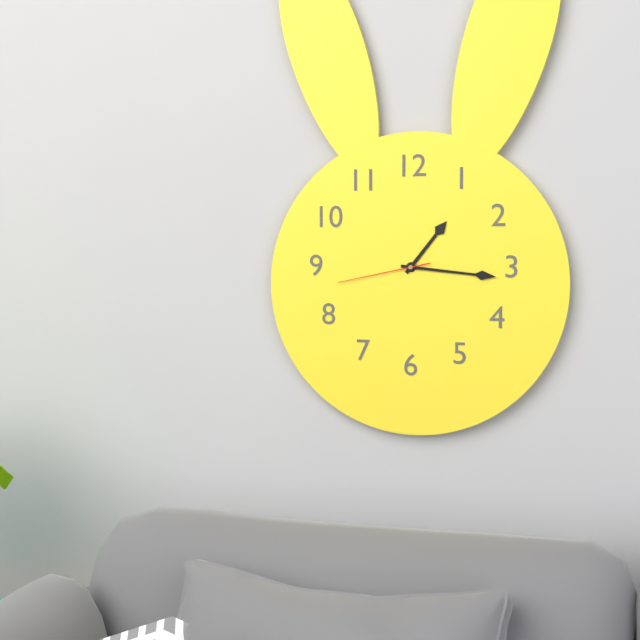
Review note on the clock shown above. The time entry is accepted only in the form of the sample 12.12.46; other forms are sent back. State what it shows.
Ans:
1.16.43
